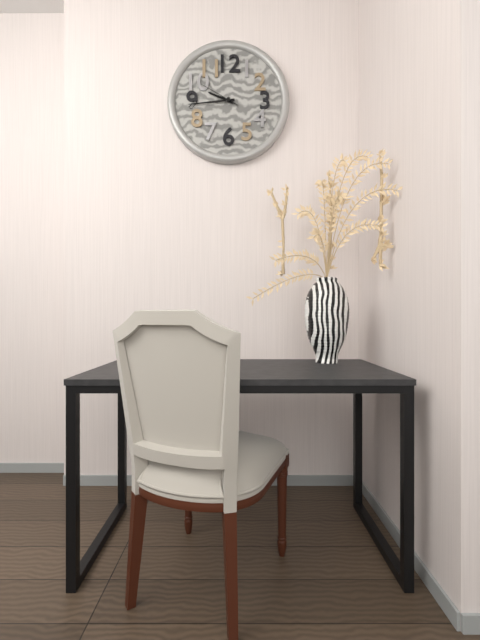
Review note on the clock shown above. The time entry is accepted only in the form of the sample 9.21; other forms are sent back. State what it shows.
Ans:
9.44
